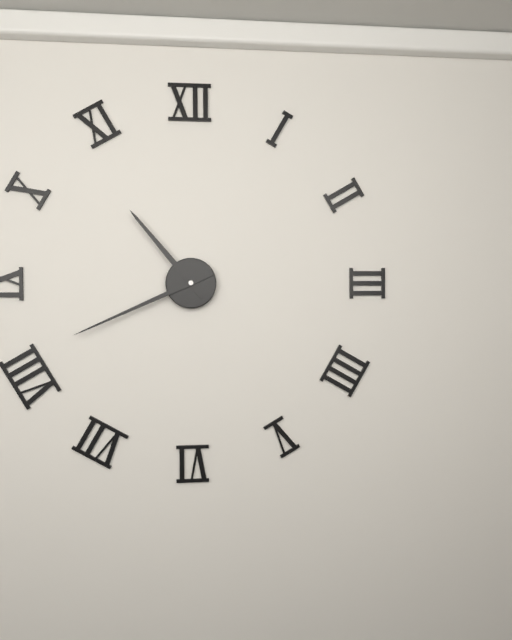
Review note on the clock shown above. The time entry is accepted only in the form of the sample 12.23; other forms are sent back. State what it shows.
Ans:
10.41
